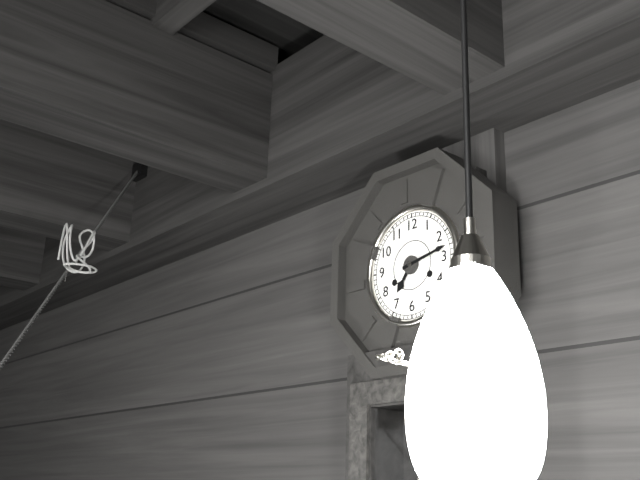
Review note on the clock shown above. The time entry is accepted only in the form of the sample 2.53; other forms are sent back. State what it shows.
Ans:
7.13
